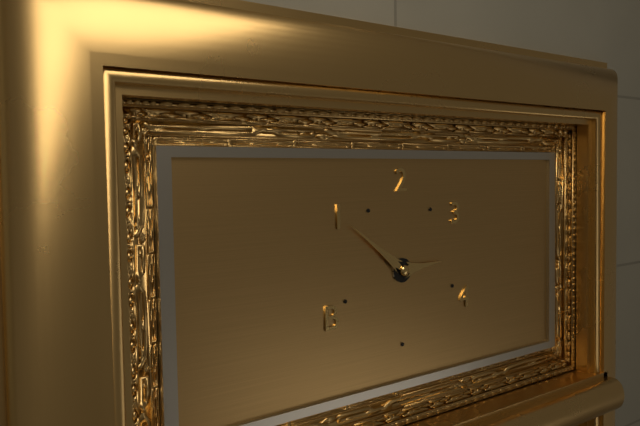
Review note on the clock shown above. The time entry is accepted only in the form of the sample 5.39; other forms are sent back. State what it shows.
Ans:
2.51
